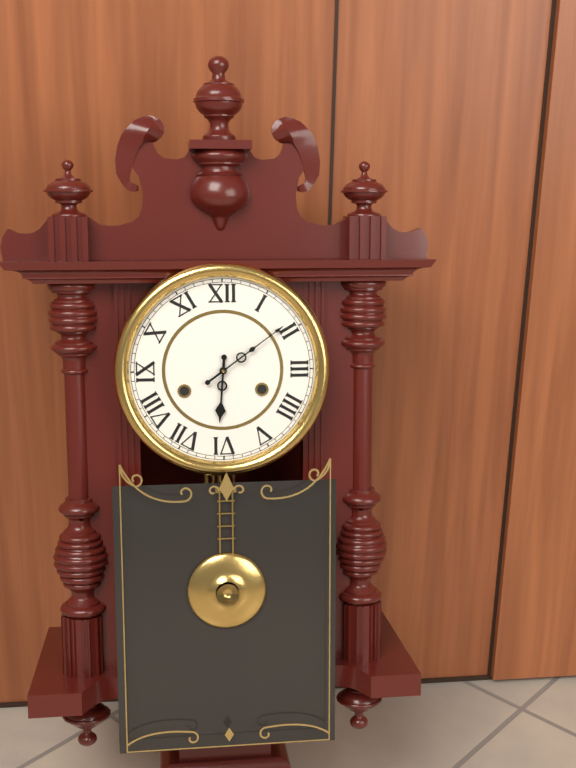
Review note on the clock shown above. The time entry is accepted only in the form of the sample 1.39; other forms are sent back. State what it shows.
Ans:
6.09
